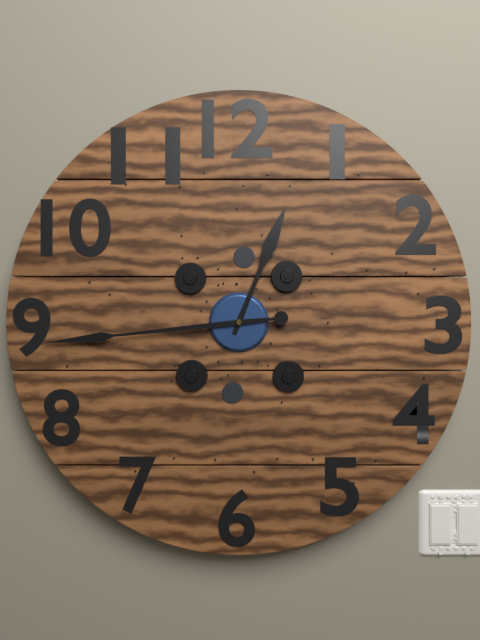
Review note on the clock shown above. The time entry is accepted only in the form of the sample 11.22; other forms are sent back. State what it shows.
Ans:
12.44
